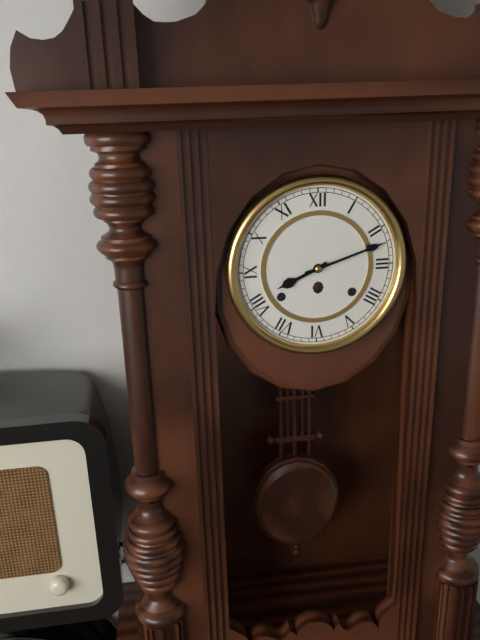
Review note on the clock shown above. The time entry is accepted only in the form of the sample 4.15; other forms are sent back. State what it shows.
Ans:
8.12
